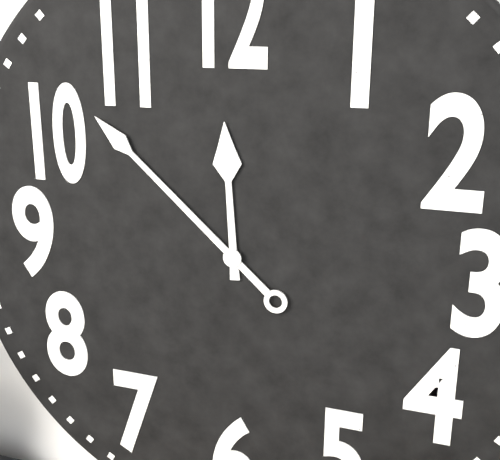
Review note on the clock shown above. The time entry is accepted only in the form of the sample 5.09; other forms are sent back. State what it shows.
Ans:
11.52
